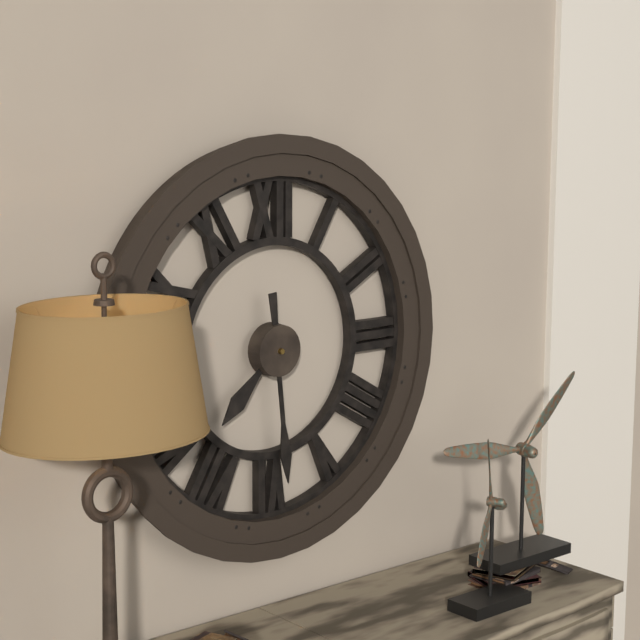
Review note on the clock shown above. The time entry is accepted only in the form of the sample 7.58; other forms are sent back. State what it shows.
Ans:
7.29
